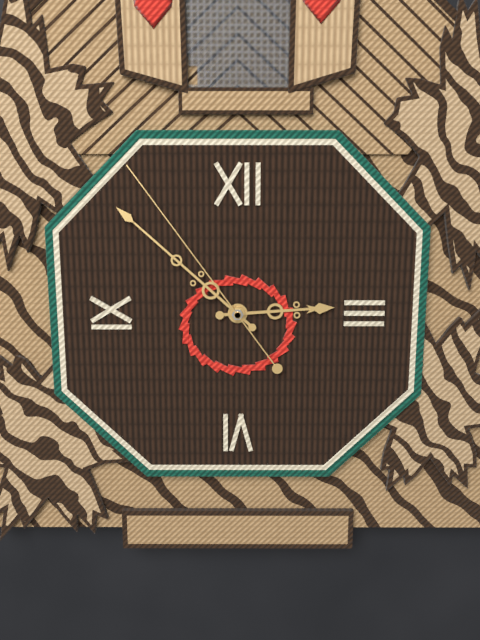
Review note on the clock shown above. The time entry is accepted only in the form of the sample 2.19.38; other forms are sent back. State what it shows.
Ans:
2.52.54
